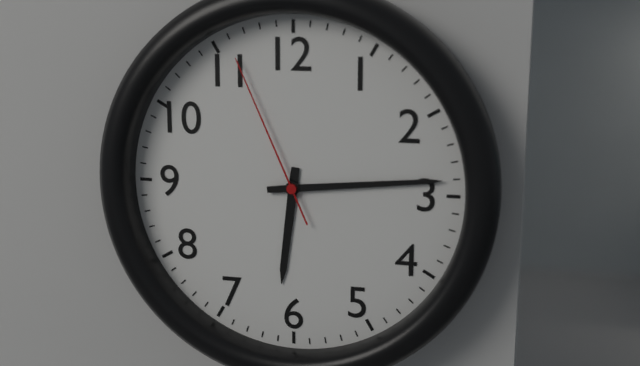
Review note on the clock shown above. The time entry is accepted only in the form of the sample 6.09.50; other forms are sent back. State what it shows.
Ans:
6.14.56
